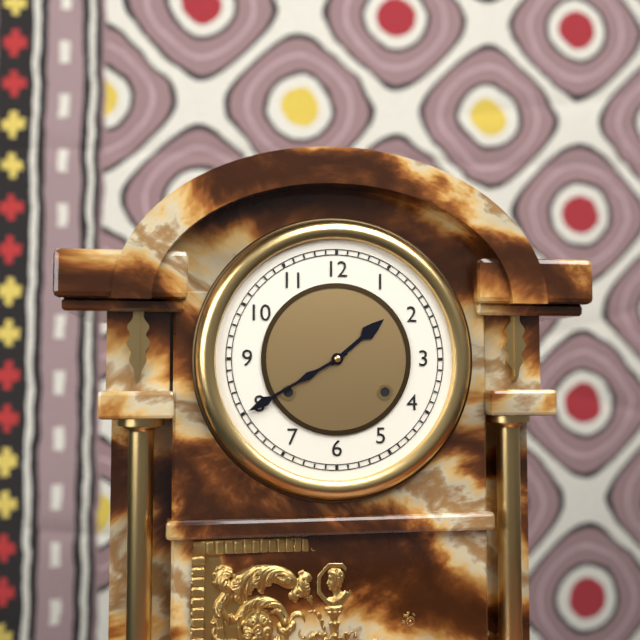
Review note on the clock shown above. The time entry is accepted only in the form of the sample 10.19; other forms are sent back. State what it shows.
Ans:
1.40
